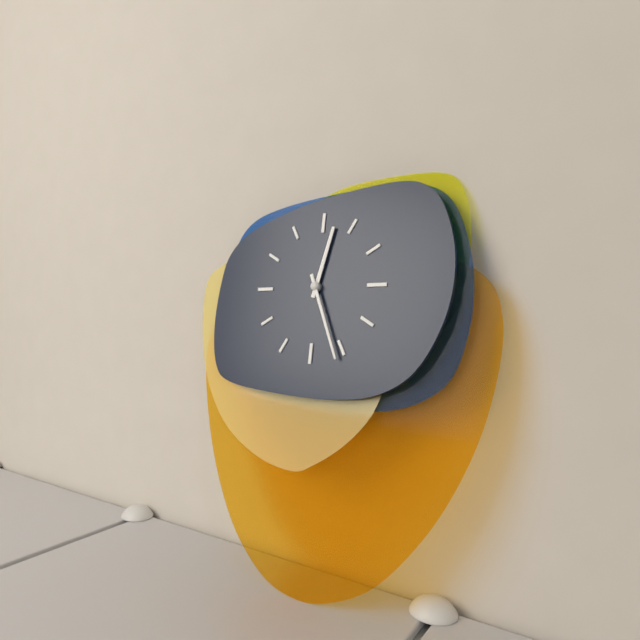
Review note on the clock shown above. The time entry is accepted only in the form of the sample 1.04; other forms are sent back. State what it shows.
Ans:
12.26
